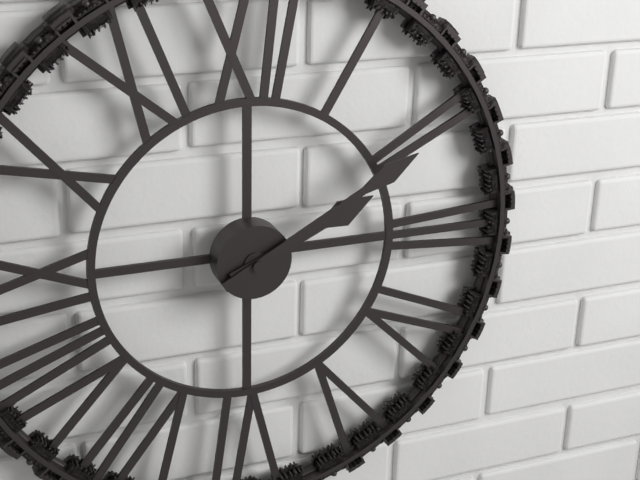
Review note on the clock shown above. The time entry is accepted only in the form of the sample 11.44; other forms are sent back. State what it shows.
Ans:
2.10
